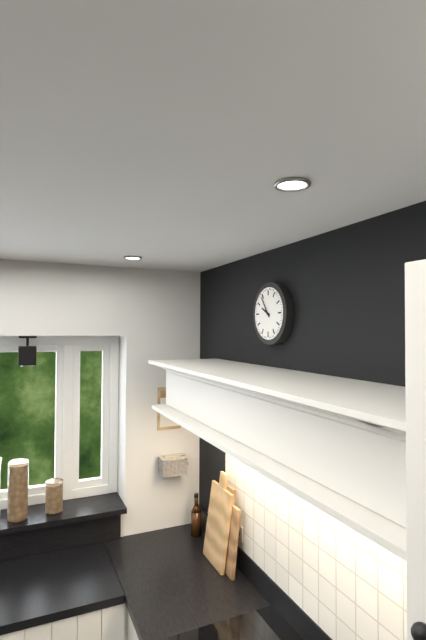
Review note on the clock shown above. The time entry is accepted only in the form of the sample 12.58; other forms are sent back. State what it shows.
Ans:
9.54
